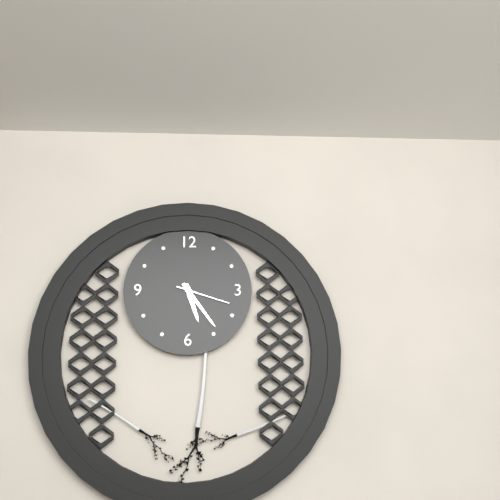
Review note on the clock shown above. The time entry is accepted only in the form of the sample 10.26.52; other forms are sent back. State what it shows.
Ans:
5.24.18
